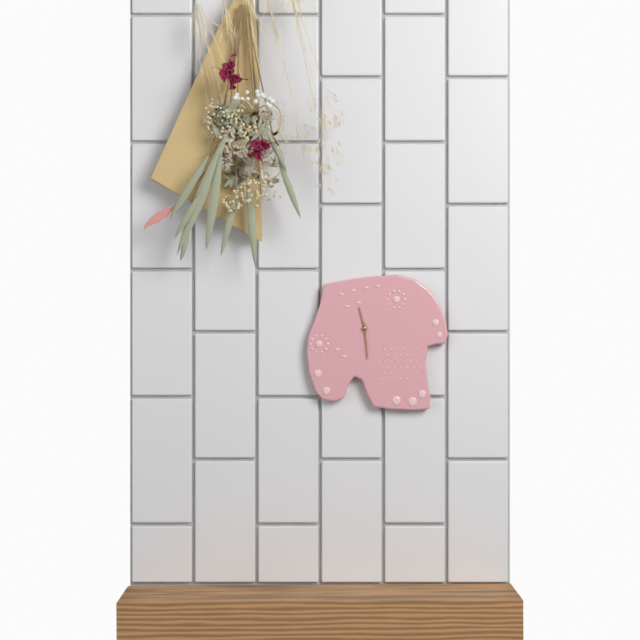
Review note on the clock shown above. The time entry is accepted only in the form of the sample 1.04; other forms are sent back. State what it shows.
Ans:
11.29
